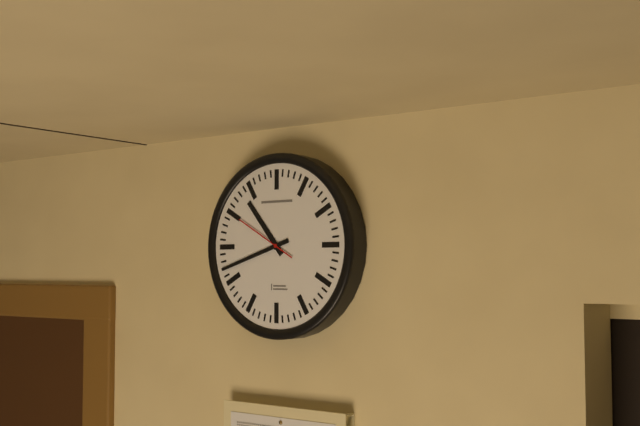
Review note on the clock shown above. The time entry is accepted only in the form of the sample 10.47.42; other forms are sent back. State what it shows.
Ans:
10.42.50
